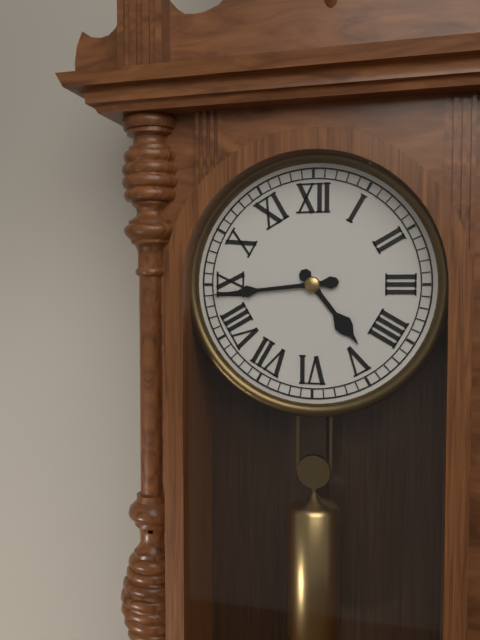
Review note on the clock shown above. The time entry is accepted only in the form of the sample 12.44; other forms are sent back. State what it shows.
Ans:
4.44
